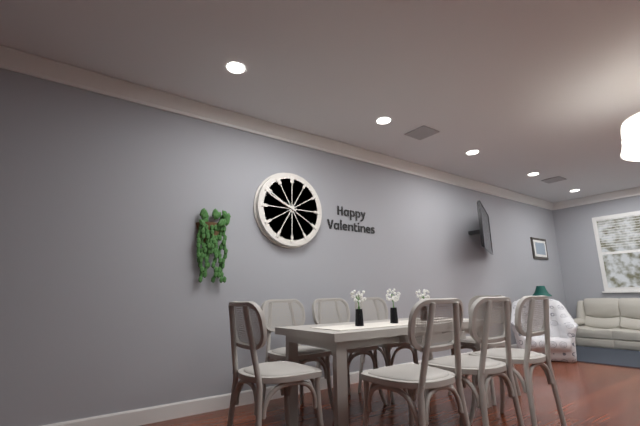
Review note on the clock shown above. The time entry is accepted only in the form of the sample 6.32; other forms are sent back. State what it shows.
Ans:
9.49
